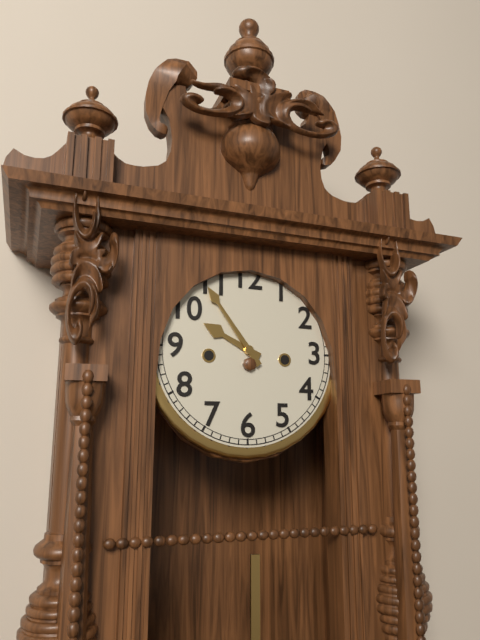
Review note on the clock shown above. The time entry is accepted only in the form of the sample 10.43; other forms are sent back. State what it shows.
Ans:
9.54
